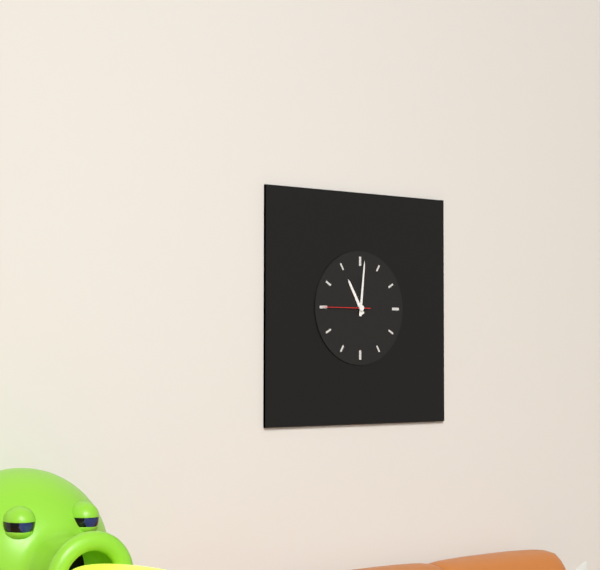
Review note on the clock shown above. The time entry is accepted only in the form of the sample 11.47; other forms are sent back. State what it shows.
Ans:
11.01
